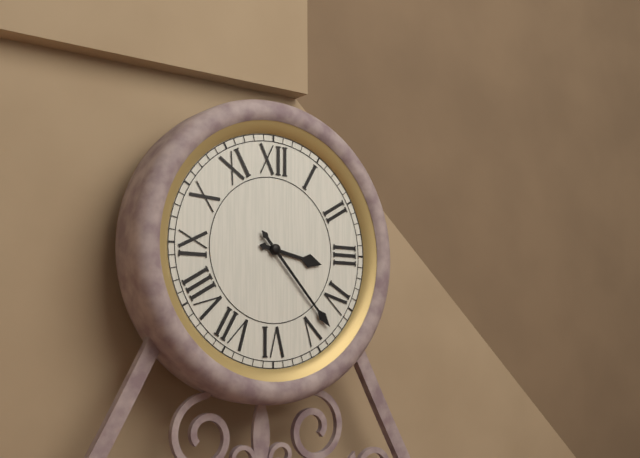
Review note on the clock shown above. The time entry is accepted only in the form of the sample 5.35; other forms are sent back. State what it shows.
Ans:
3.23
